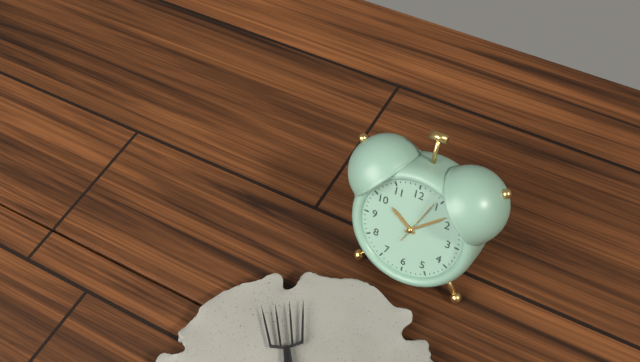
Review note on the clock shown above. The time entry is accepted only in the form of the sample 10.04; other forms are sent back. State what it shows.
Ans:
10.08
